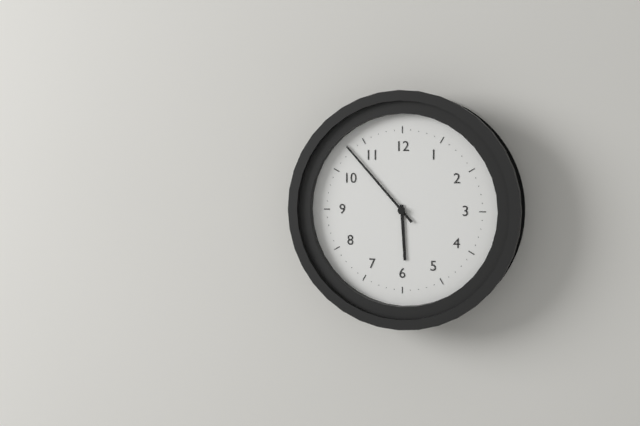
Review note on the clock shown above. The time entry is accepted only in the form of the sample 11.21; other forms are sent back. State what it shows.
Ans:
5.53
